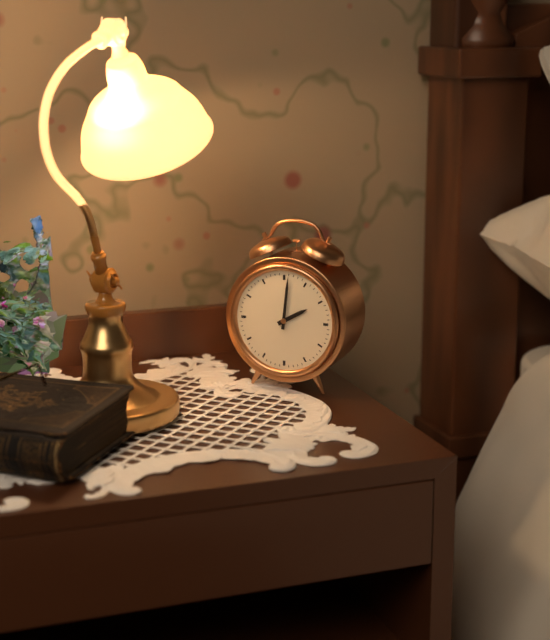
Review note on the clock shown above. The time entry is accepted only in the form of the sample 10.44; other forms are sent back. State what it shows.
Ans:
2.01
